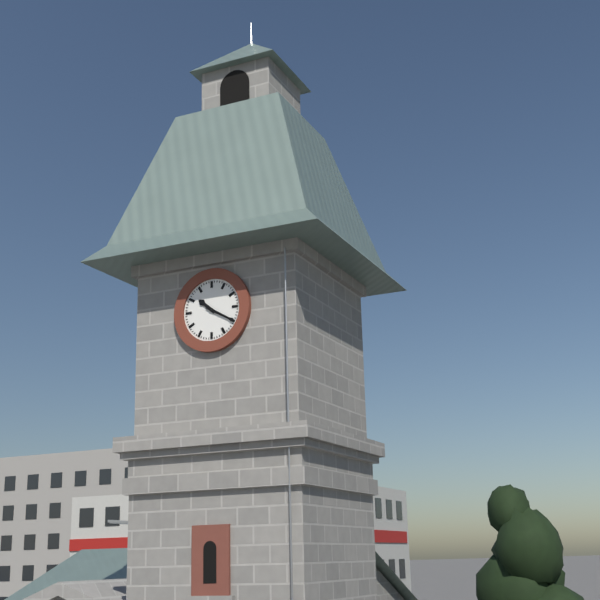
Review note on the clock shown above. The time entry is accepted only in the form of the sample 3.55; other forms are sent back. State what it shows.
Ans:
10.20
